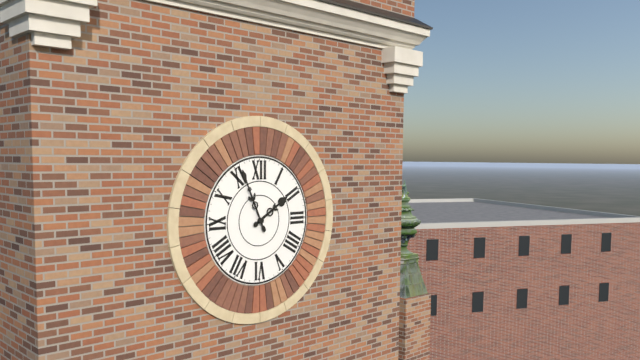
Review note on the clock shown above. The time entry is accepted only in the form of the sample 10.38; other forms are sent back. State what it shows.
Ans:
1.56
